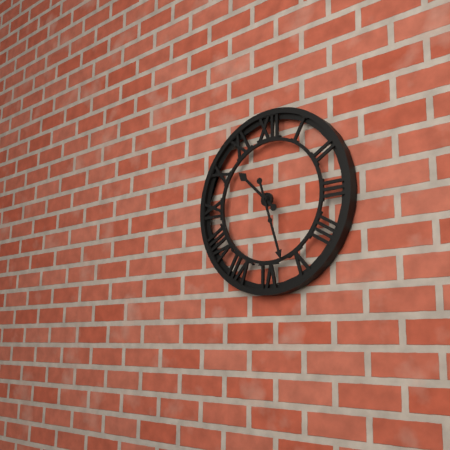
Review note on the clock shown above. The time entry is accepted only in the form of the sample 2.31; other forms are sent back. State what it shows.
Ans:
10.27
